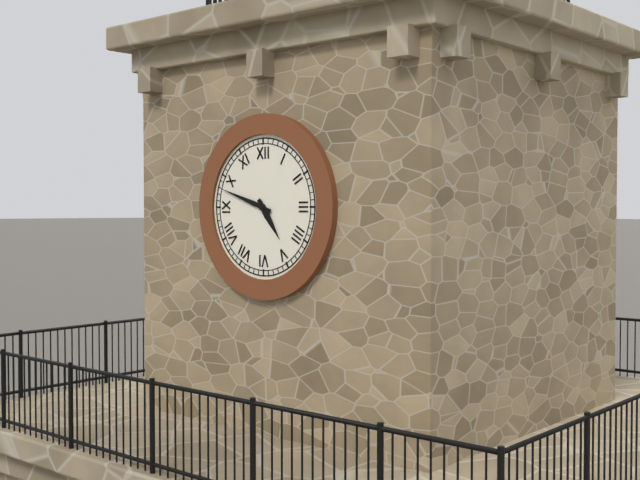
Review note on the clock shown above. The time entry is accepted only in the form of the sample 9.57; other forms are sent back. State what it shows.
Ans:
4.48
